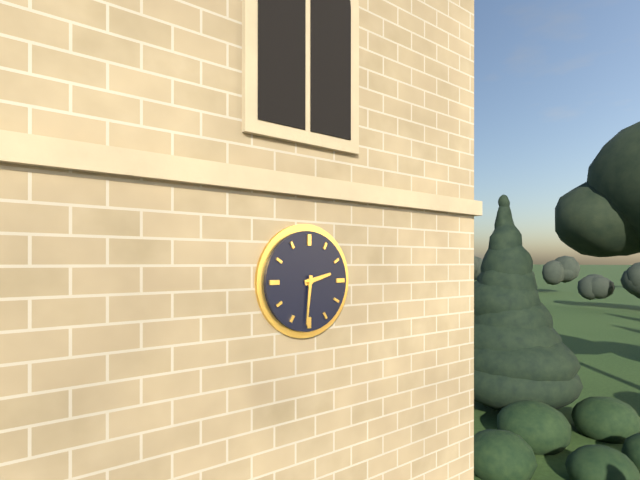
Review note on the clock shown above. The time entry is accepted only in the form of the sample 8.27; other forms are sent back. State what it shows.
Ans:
2.31
